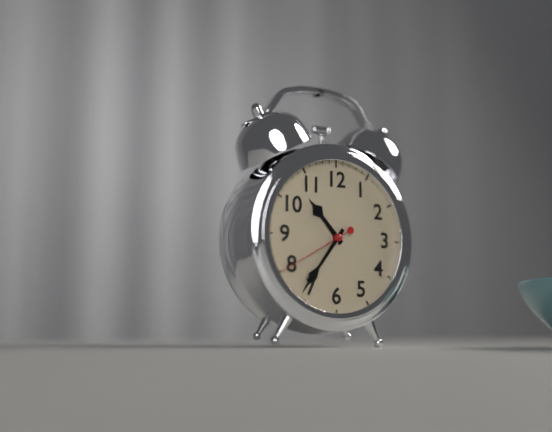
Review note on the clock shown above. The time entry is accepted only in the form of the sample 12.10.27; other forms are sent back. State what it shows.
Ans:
10.36.40
